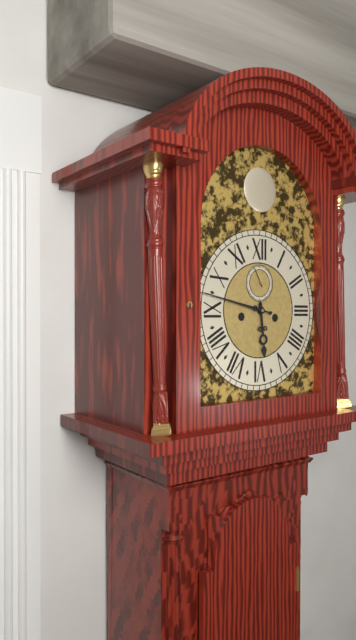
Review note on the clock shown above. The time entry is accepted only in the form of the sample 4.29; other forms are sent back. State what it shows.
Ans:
5.47
